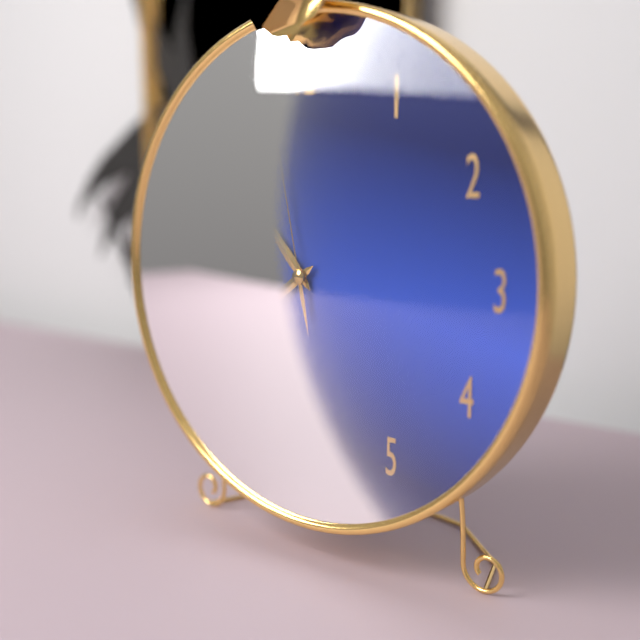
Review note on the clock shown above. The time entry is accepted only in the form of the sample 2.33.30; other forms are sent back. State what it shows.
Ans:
10.39.58
